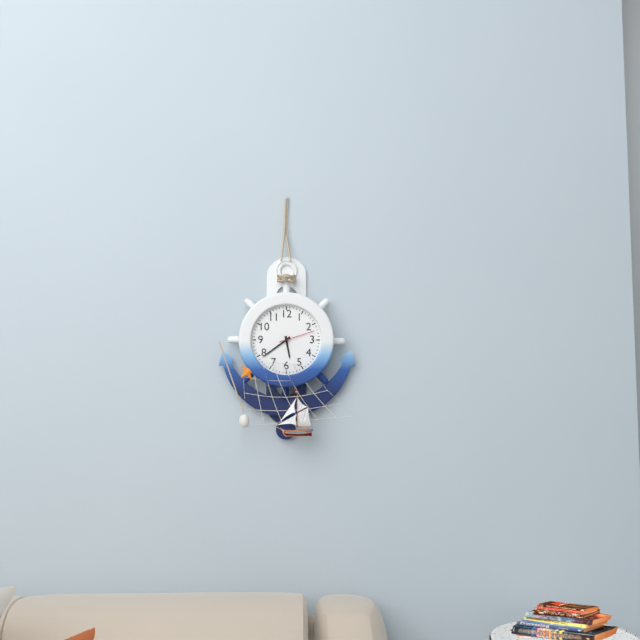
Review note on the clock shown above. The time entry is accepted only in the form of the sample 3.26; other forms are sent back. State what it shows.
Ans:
5.39
